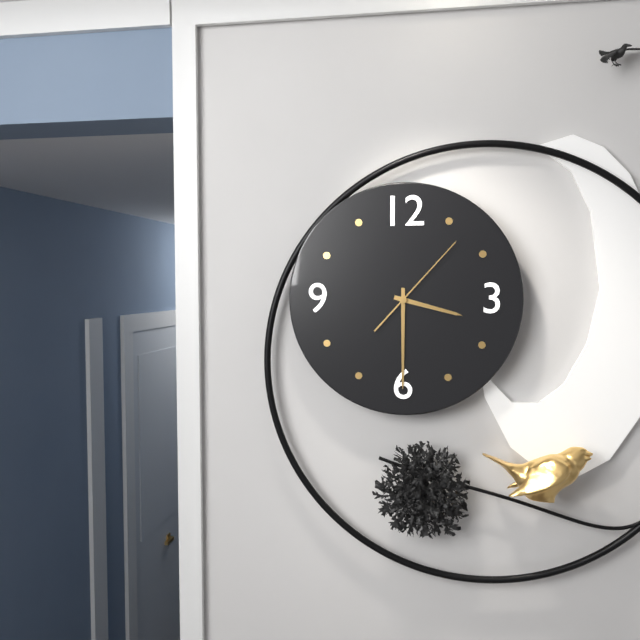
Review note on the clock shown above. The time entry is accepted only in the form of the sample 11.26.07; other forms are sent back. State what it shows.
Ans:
3.30.07
